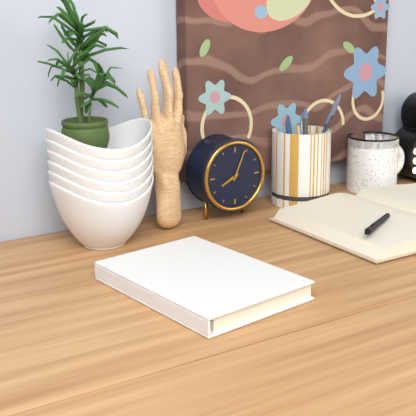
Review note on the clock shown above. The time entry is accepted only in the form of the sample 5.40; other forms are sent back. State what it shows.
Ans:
8.04
